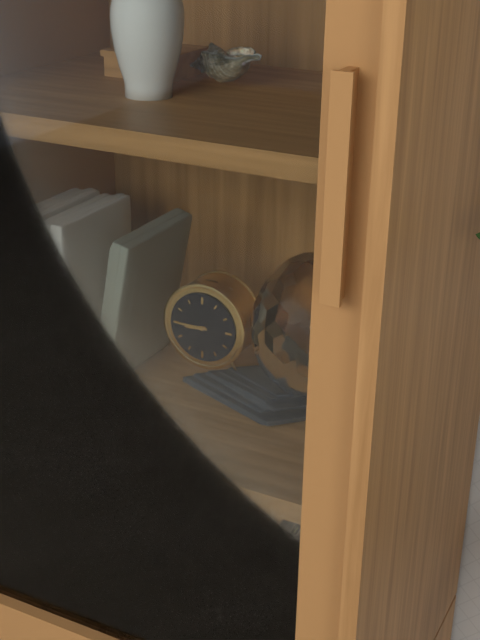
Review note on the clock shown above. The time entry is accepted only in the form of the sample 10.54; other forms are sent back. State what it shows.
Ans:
8.45
